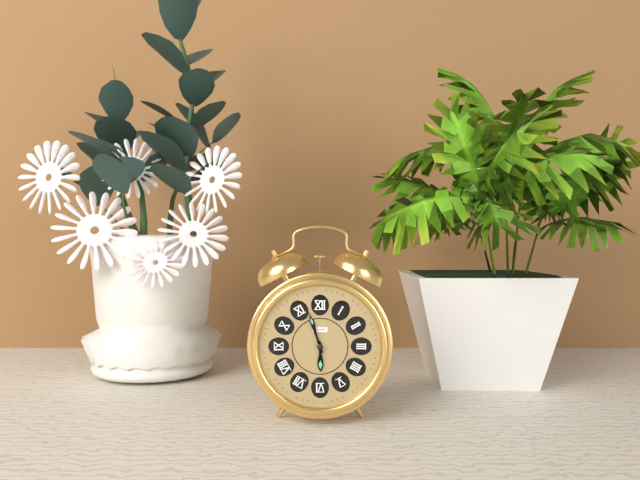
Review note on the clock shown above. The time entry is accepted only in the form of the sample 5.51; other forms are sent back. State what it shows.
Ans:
5.57
